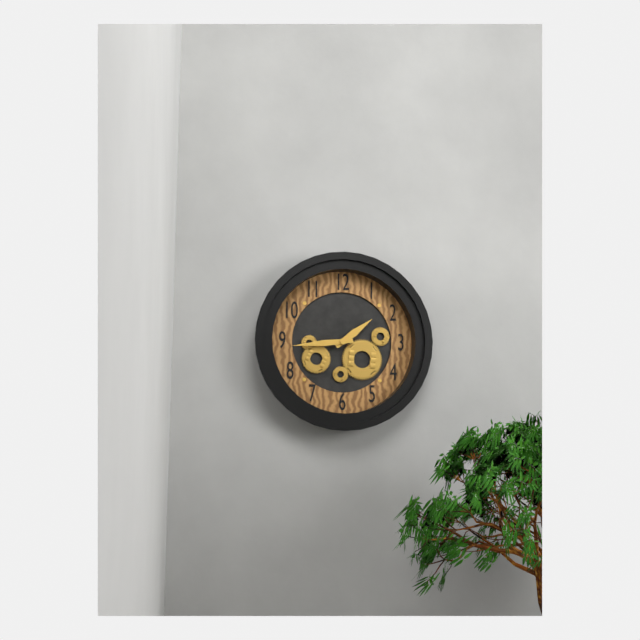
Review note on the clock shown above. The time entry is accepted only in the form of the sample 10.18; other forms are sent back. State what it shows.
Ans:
1.44
